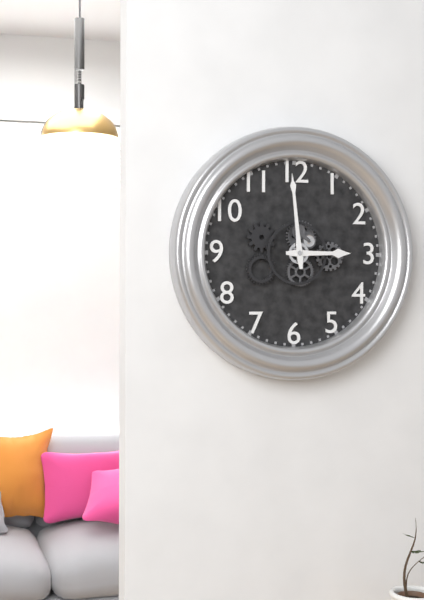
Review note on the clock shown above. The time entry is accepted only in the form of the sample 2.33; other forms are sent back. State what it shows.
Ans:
2.59
